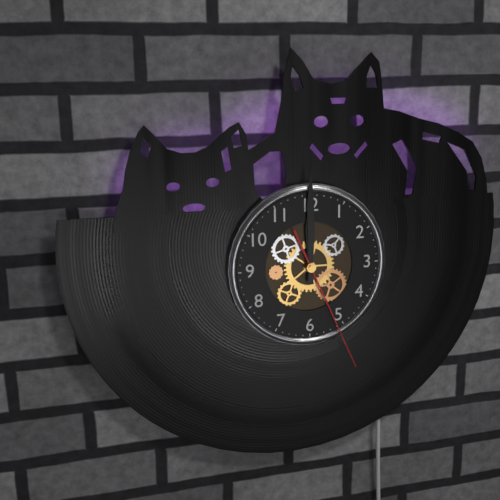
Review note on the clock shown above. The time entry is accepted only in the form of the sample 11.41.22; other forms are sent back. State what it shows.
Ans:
12.00.26
